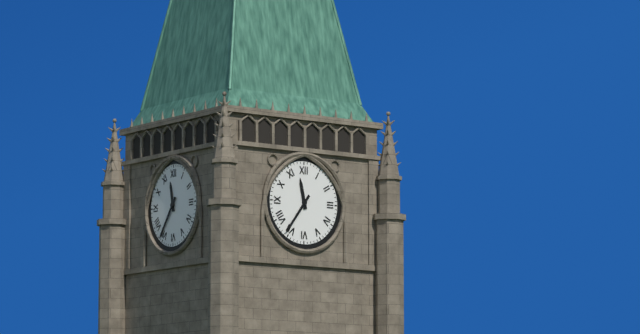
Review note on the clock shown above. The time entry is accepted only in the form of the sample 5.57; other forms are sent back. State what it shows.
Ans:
11.36
